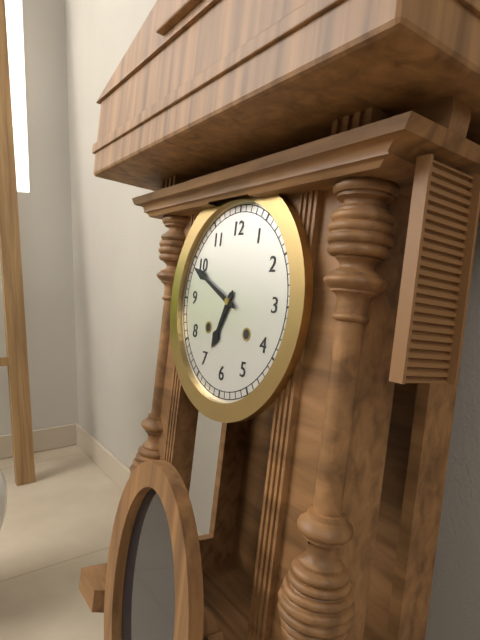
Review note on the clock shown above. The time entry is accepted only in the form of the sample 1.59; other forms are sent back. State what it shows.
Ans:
6.49
